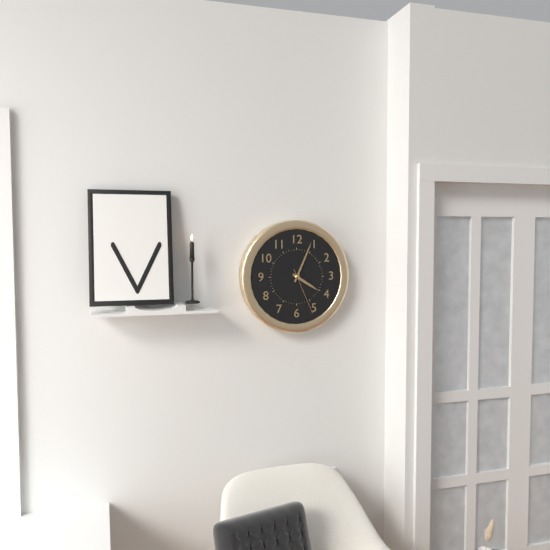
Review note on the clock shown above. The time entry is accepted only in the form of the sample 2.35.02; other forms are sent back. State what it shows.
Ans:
4.04.26
